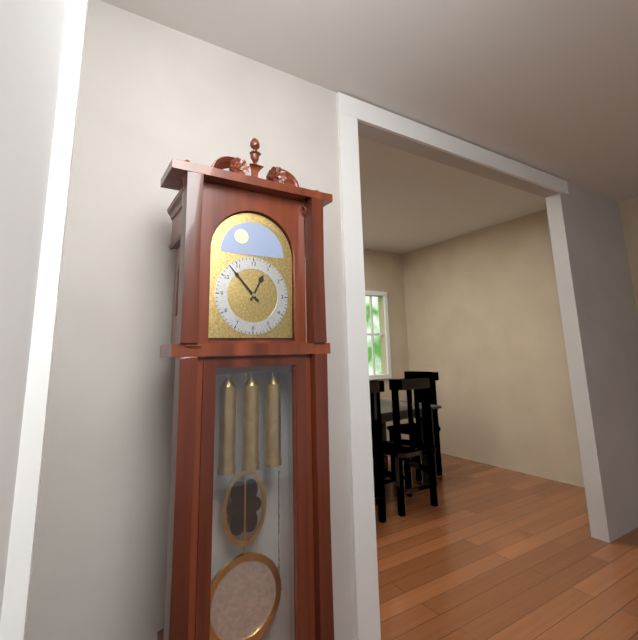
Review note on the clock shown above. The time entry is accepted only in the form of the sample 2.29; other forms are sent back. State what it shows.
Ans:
12.53
